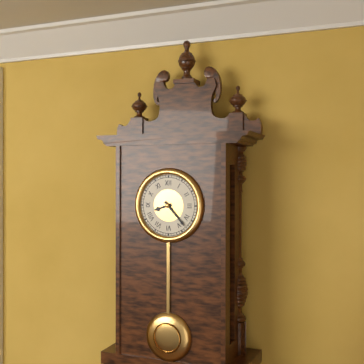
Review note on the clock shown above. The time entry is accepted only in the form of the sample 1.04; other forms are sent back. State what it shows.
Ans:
8.23
